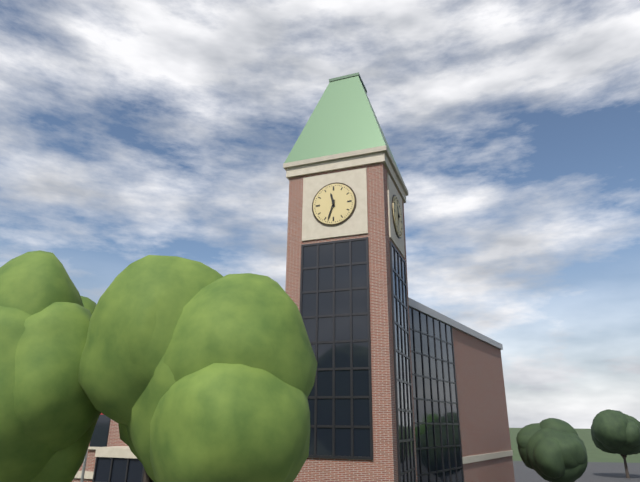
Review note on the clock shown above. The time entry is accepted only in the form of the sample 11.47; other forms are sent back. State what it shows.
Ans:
11.33
